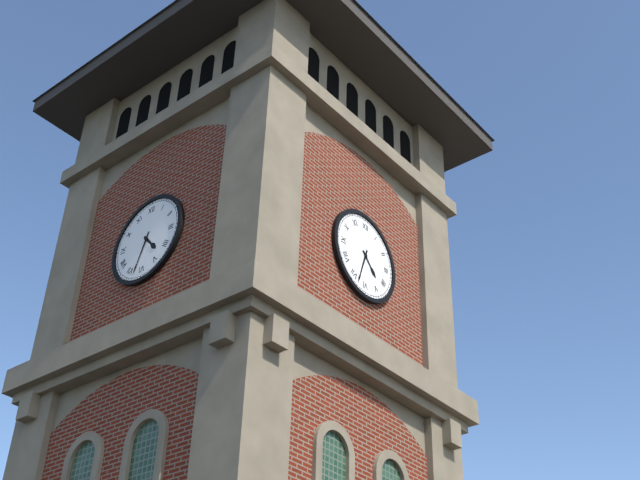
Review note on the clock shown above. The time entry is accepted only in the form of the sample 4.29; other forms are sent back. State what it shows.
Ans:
4.33
